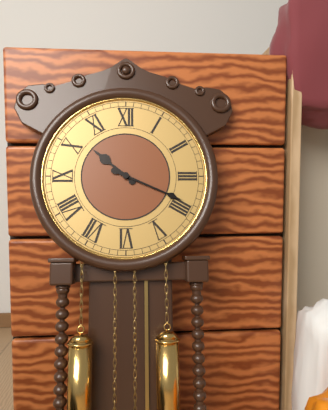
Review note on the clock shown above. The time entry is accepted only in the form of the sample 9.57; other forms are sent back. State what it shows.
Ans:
10.19
